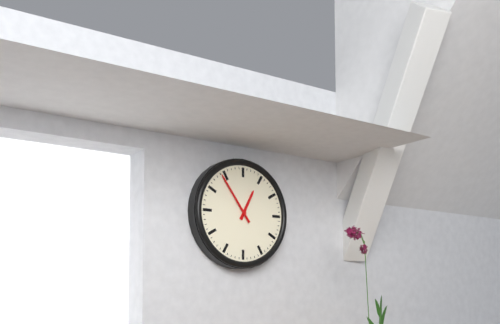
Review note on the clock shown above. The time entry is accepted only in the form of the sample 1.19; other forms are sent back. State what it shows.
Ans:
12.54
